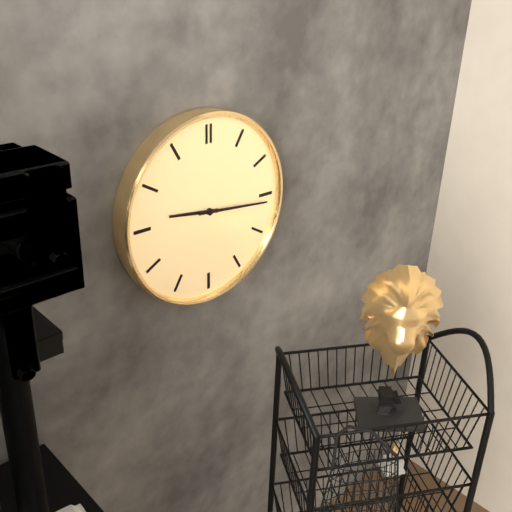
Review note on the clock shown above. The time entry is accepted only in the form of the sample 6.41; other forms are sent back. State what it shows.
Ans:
9.16
